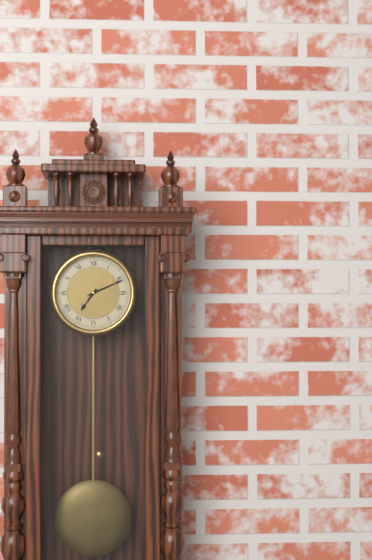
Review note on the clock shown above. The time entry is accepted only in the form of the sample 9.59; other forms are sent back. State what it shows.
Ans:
7.11
